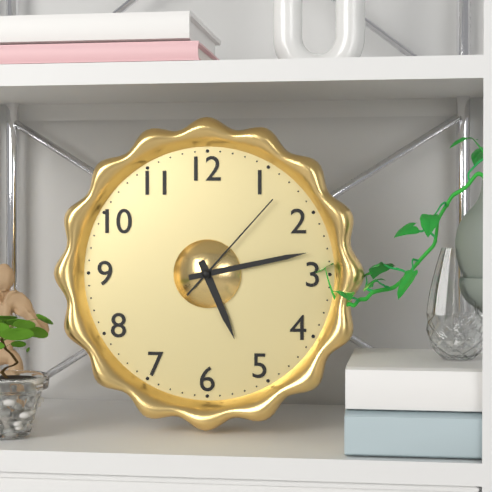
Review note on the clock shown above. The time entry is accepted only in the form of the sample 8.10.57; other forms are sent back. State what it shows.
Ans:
5.13.07
